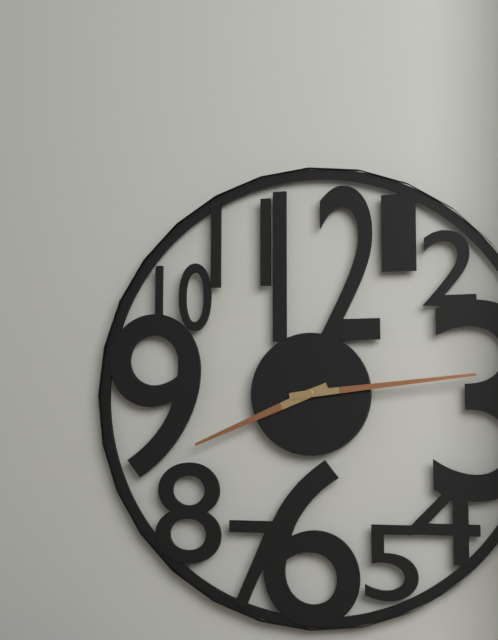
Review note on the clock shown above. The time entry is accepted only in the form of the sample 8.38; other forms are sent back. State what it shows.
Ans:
8.14
